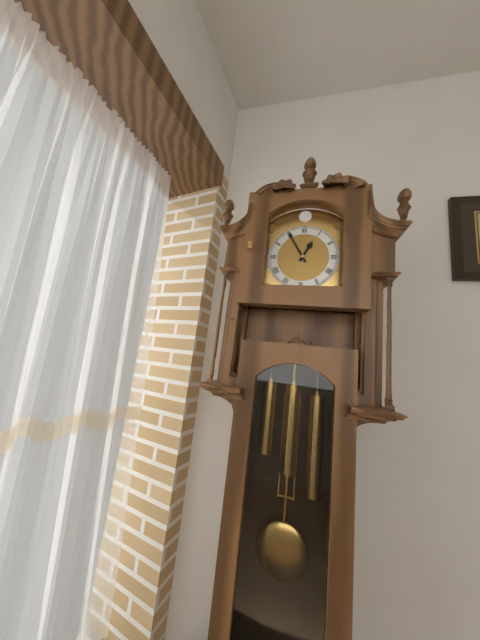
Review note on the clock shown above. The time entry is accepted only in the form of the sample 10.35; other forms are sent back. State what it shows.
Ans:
12.55
